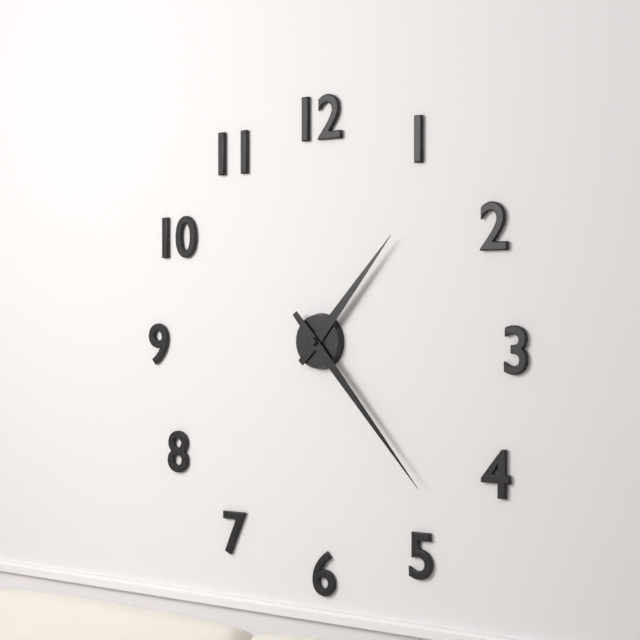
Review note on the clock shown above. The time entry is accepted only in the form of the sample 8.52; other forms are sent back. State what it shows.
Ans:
1.23
